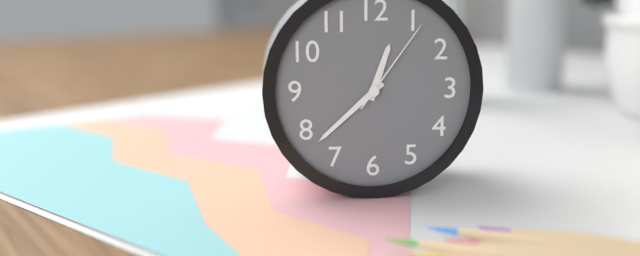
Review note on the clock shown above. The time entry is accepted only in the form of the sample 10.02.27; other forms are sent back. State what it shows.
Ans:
12.38.06
